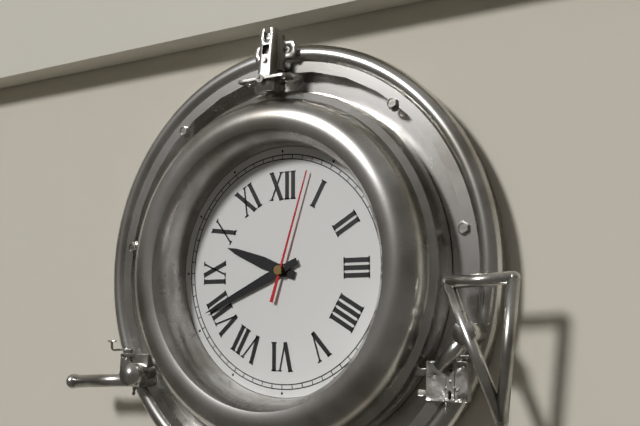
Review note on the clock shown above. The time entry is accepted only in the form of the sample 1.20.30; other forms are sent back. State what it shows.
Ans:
9.41.03
